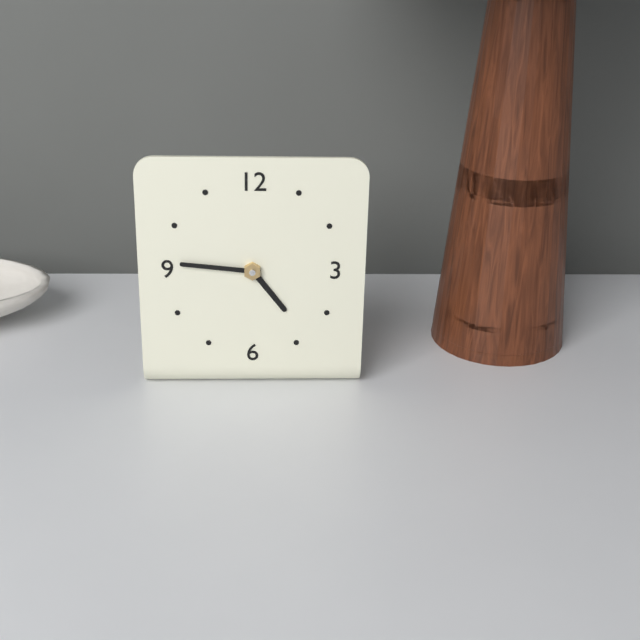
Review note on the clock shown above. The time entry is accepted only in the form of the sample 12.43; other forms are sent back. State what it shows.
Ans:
4.46
